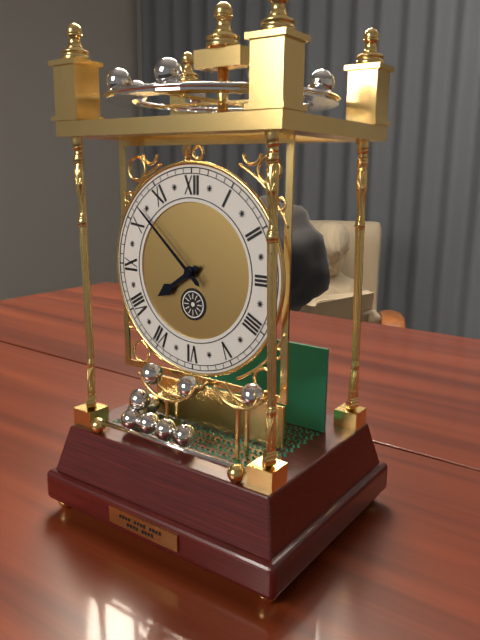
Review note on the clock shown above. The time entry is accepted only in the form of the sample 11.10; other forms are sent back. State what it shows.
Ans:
7.52
